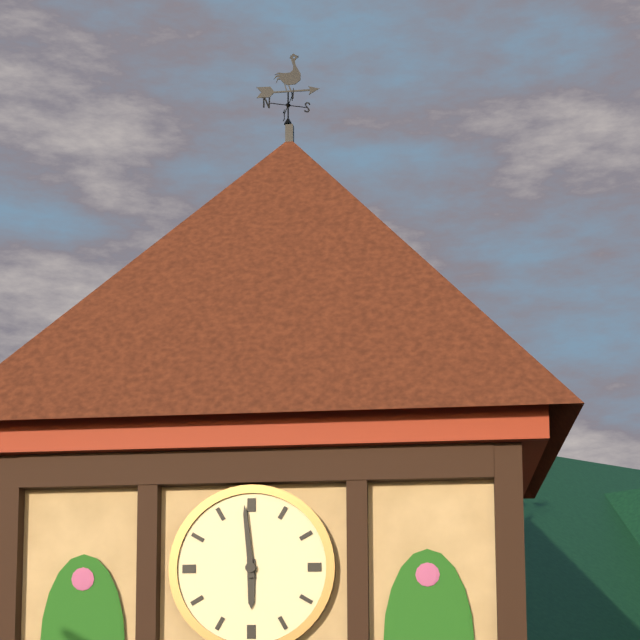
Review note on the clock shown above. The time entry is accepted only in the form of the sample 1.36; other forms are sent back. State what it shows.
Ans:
5.59
